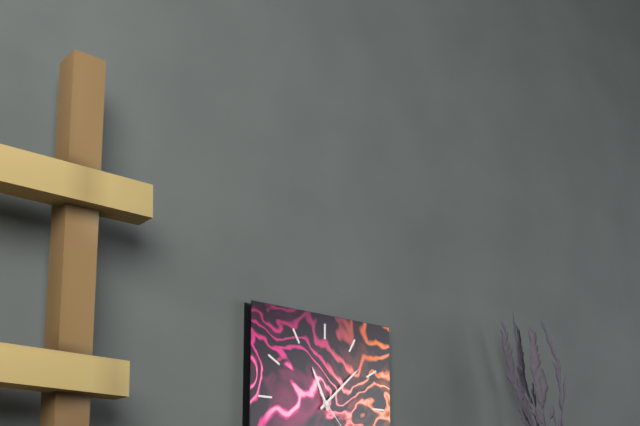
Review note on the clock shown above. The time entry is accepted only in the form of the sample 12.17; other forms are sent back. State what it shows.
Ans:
11.08
